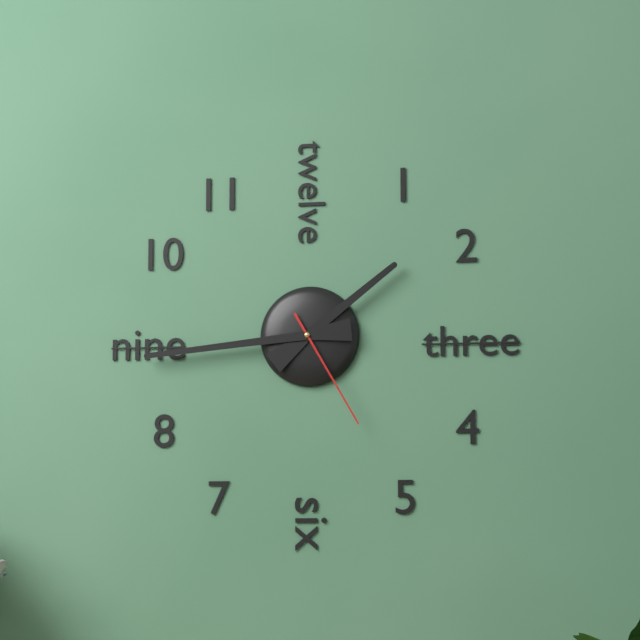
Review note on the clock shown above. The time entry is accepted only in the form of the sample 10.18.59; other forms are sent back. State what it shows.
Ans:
1.44.25
